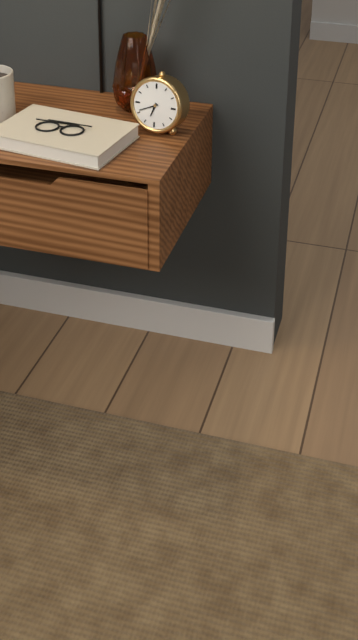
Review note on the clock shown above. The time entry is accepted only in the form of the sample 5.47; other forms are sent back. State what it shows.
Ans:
6.41
